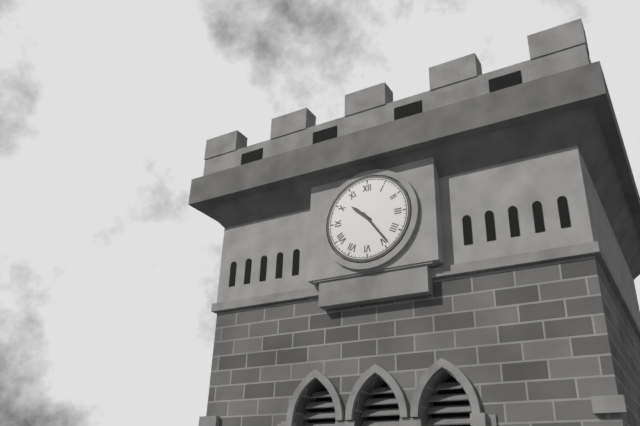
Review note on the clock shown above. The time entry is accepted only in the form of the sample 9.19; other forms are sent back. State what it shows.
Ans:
10.24
